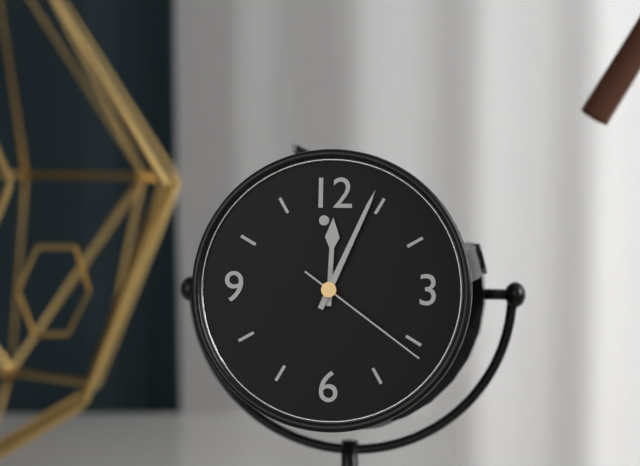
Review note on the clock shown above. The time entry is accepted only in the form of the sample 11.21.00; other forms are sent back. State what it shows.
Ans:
12.04.21
